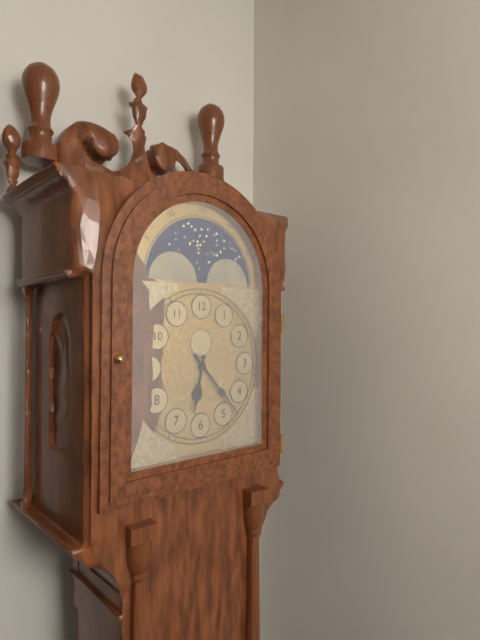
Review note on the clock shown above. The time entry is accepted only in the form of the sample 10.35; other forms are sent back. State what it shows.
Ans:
6.23
